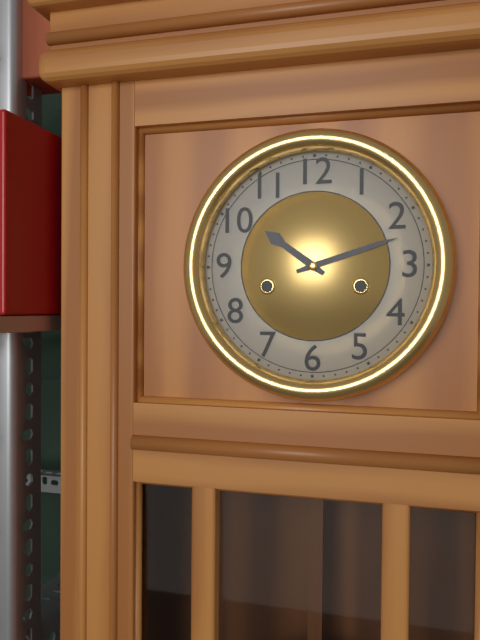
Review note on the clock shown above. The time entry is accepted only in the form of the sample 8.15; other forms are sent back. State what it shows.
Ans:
10.12
